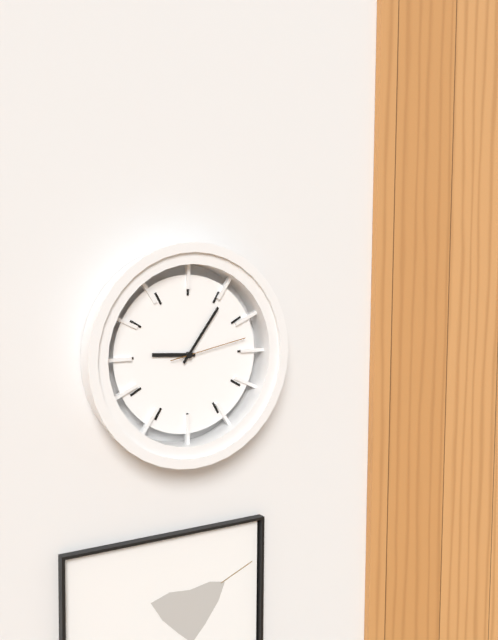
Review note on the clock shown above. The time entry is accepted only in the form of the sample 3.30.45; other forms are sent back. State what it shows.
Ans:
9.06.13
